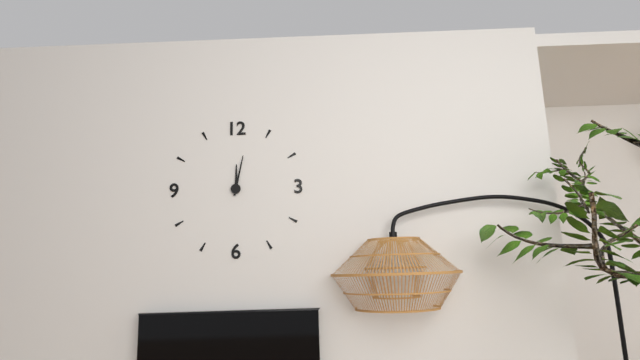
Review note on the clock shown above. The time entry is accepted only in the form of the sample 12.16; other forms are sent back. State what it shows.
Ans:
12.02
